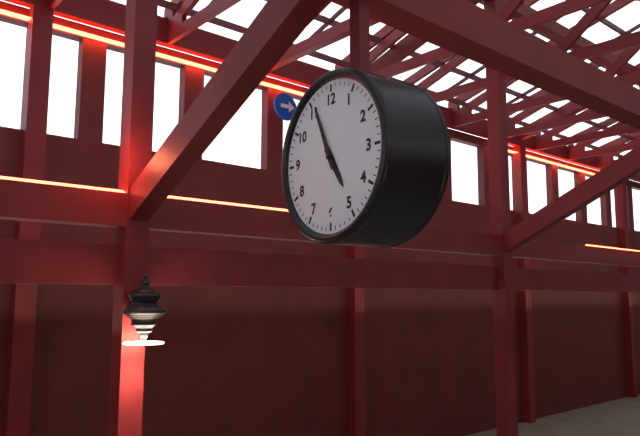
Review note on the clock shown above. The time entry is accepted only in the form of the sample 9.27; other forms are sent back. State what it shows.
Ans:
4.56
